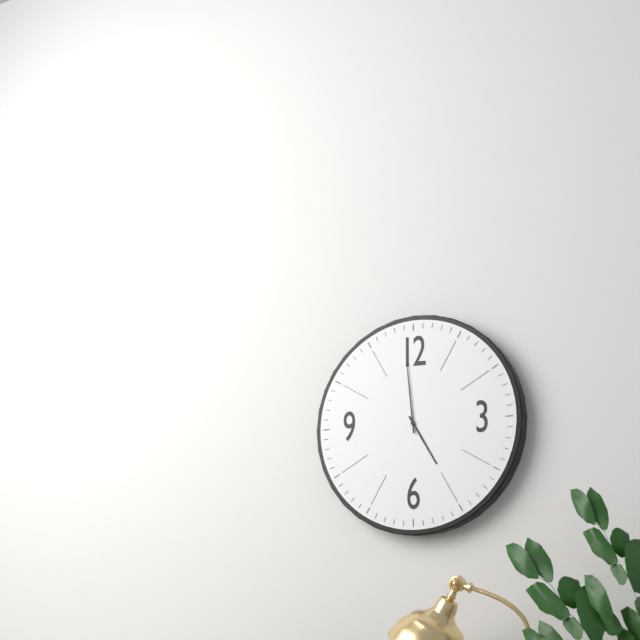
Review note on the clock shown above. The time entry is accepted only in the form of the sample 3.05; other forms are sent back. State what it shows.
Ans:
4.59
